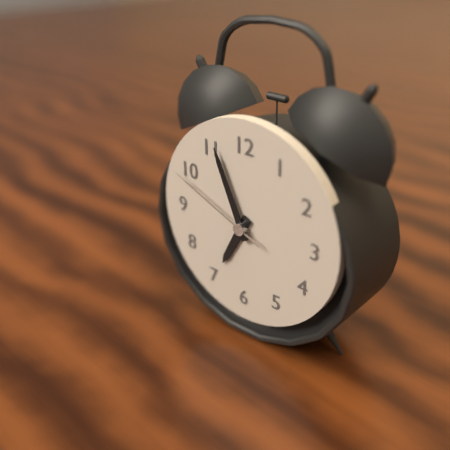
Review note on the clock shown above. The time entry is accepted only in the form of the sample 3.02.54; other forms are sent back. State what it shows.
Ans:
6.56.49
